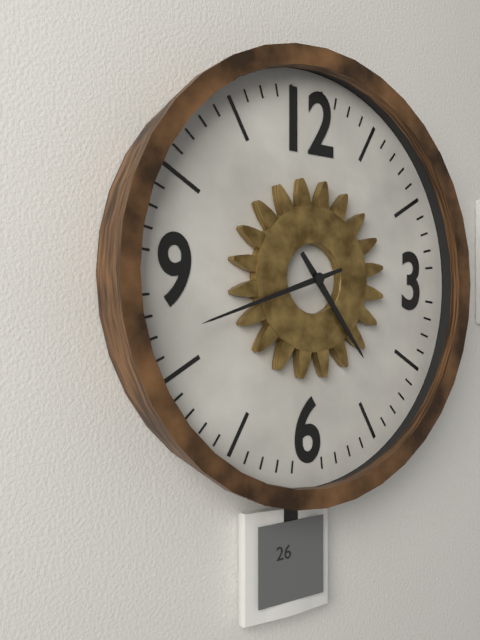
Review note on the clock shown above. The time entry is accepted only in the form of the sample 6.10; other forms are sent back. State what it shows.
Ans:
4.42
